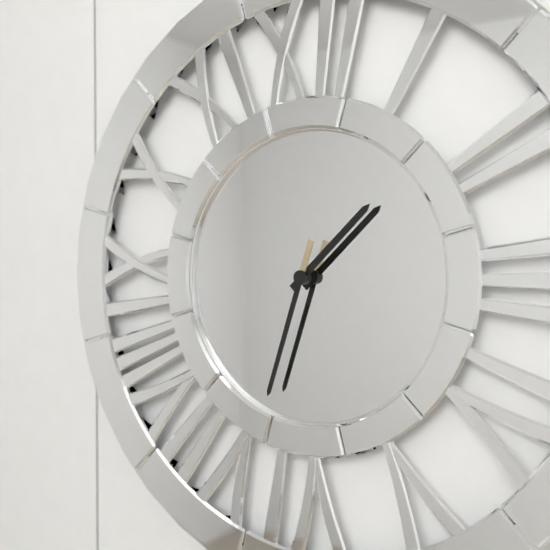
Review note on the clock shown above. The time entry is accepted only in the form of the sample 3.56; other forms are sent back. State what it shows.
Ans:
1.33
